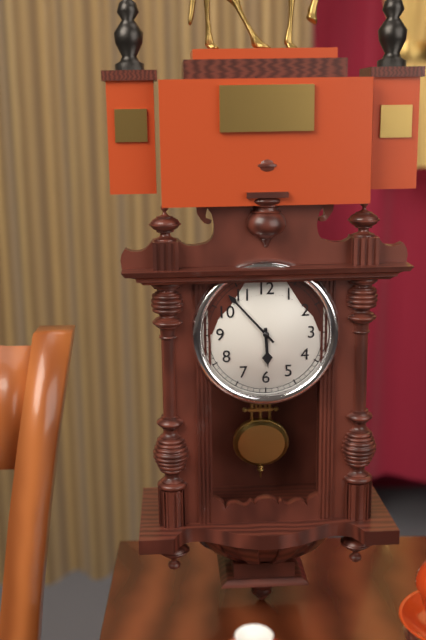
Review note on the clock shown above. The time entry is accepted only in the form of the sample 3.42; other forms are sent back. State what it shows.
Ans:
5.53
